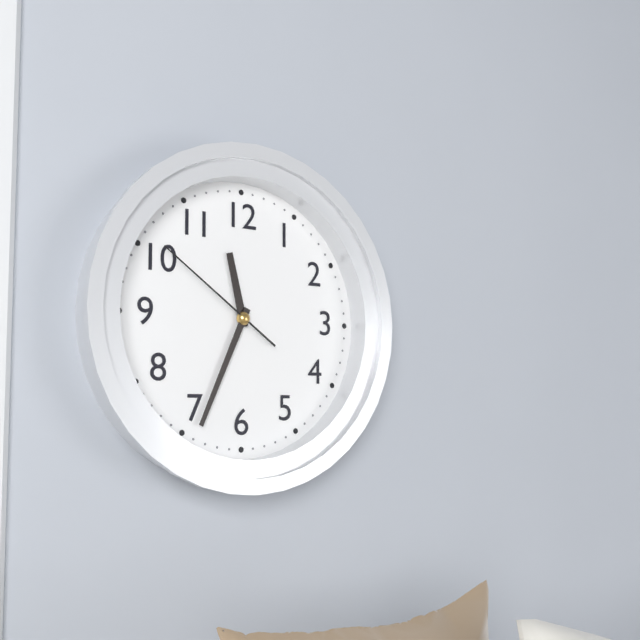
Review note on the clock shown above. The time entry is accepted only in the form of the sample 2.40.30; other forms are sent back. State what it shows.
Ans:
11.34.51
